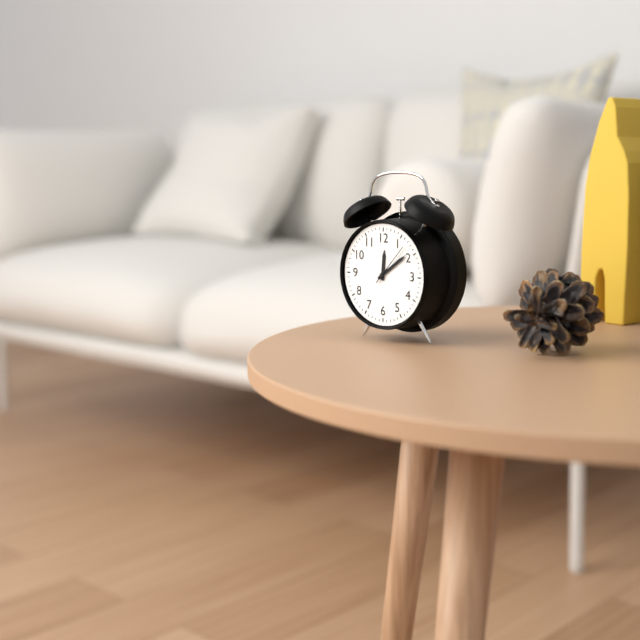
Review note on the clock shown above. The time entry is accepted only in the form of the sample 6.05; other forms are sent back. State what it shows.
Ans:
12.09
